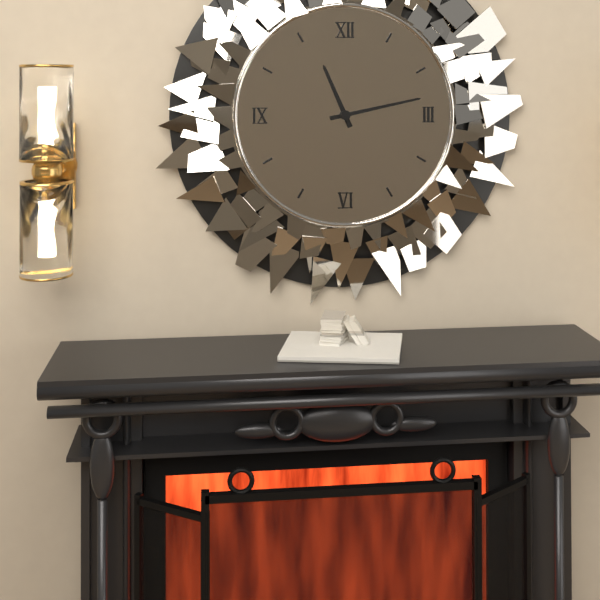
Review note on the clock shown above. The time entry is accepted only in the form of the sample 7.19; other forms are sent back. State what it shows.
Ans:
11.13
